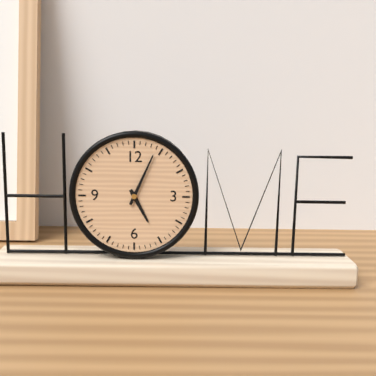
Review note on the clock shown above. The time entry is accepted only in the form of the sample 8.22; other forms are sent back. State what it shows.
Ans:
5.04
